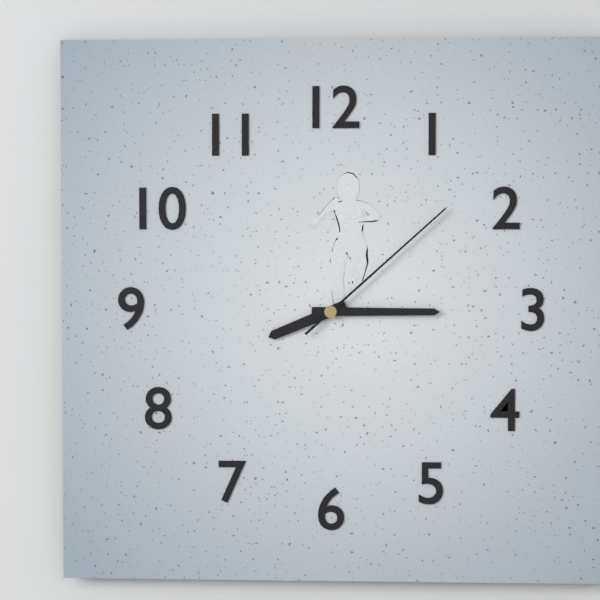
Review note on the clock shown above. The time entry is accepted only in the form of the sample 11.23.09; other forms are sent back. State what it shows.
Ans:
8.15.08
